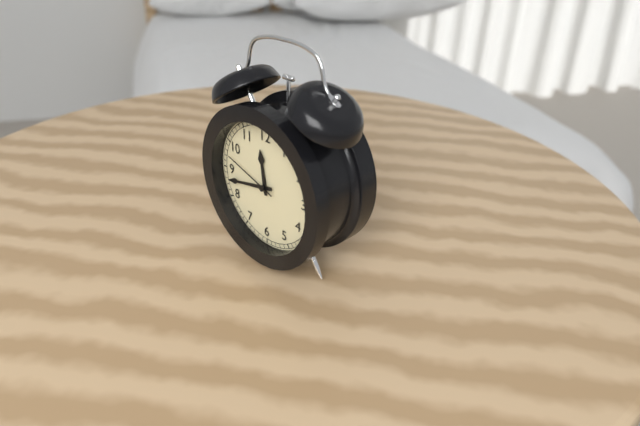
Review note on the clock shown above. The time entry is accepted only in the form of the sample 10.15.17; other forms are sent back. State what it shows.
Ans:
11.43.48
